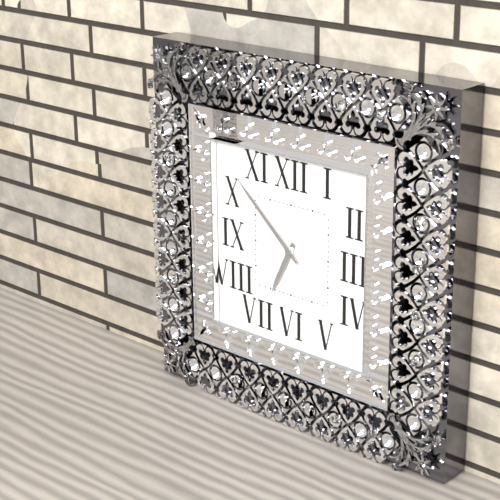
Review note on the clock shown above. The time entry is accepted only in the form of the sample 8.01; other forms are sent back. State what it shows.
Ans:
6.52
